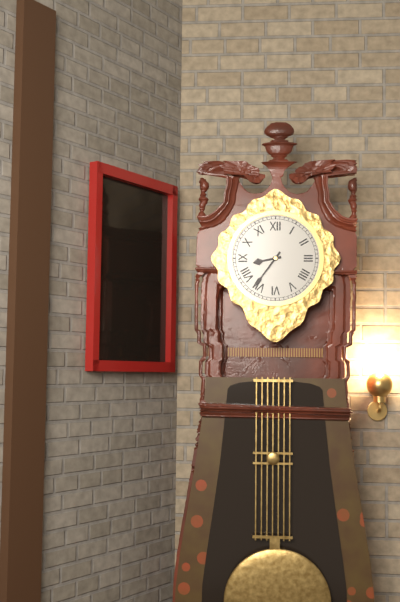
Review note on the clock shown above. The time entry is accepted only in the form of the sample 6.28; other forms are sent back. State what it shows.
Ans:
8.36
